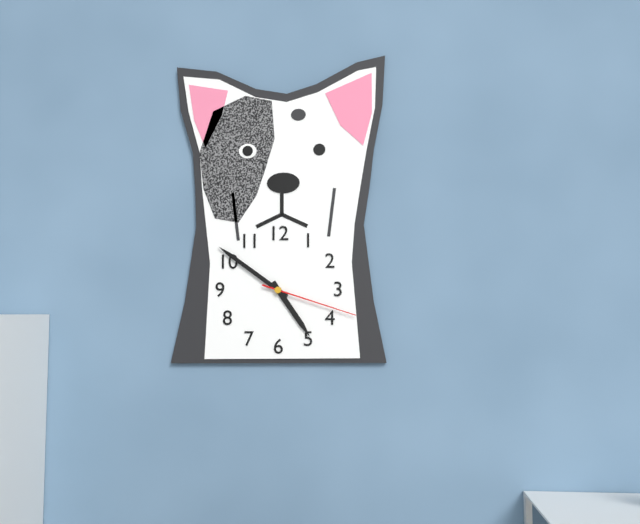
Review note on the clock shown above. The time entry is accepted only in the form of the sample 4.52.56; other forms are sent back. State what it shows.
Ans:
4.51.18
